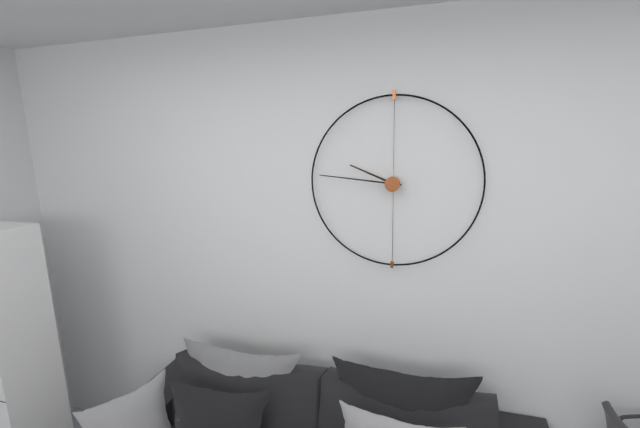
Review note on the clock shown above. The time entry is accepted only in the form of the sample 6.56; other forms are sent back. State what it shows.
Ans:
9.46
